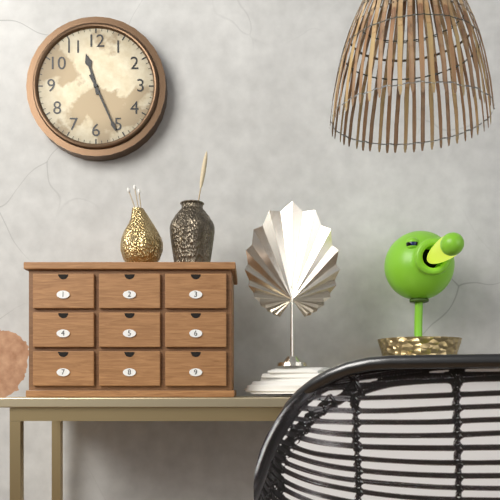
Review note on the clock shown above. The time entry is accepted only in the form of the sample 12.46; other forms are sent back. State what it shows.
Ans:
11.26
